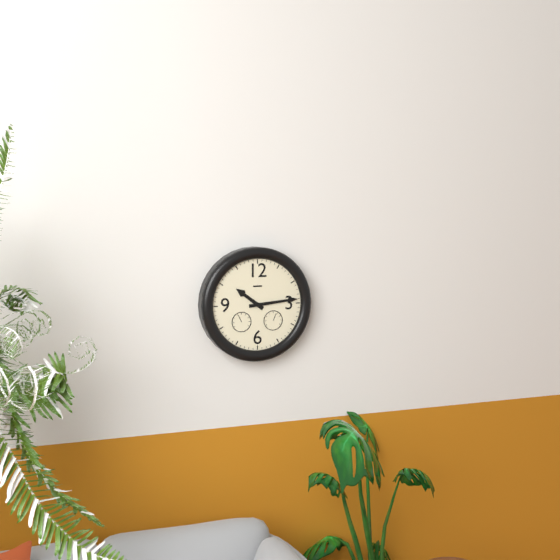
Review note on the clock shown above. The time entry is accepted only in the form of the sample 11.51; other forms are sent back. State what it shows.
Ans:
10.14
